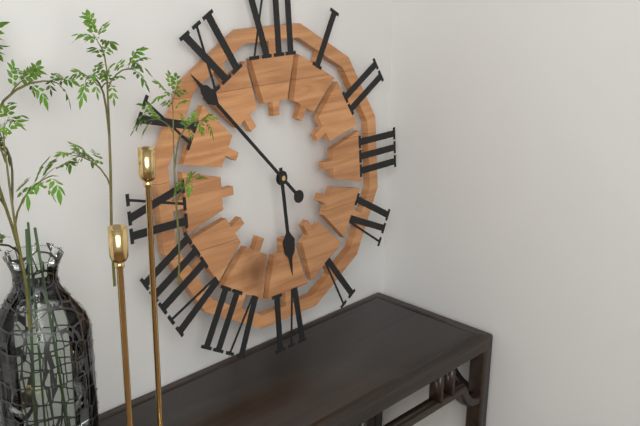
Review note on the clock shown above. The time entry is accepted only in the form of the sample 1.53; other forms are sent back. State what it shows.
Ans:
5.53
